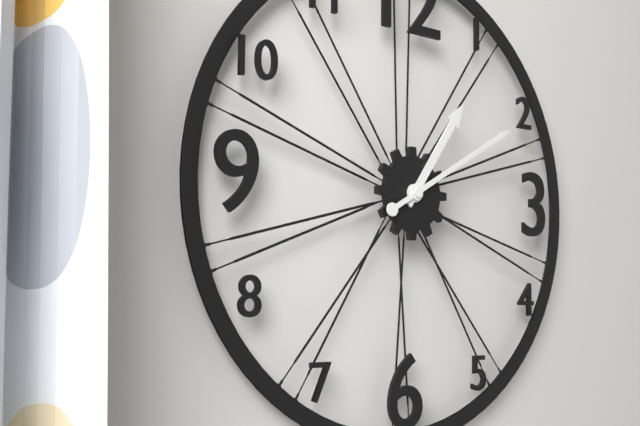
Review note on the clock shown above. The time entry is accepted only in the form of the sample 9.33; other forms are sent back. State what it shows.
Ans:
1.10
